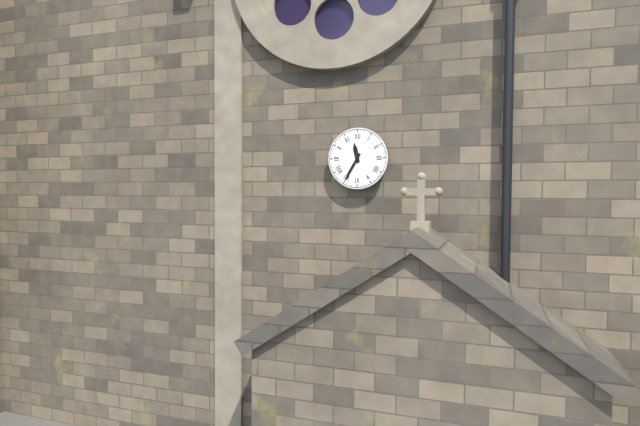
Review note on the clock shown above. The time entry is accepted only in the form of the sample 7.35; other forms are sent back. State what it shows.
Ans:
11.35
